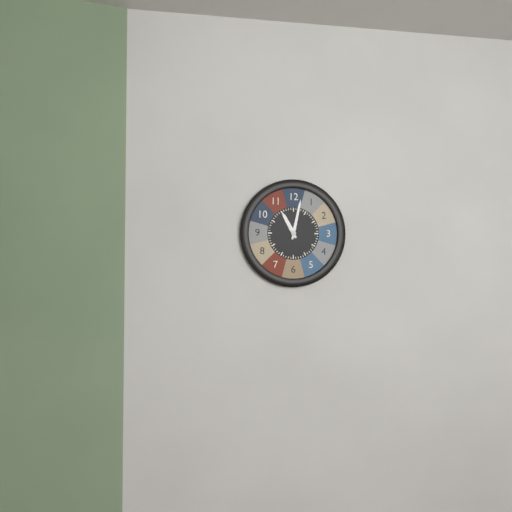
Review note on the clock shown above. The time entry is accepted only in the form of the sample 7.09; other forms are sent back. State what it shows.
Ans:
11.02
